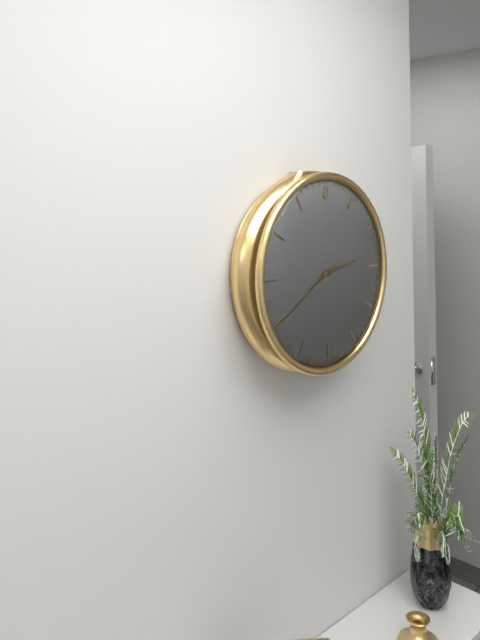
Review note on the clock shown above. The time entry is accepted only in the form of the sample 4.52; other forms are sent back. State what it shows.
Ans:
2.40
